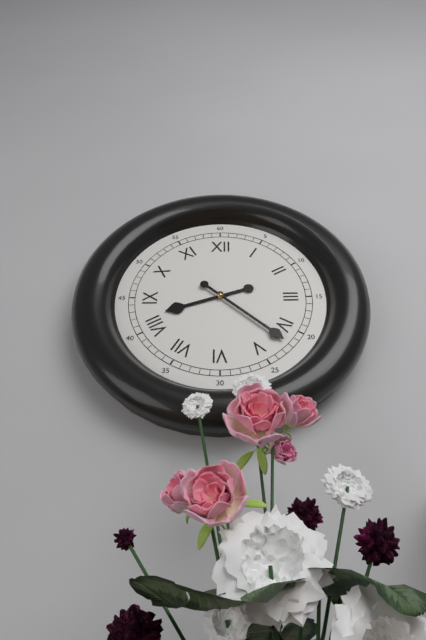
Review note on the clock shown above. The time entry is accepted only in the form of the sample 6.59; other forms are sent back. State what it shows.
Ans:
8.22
